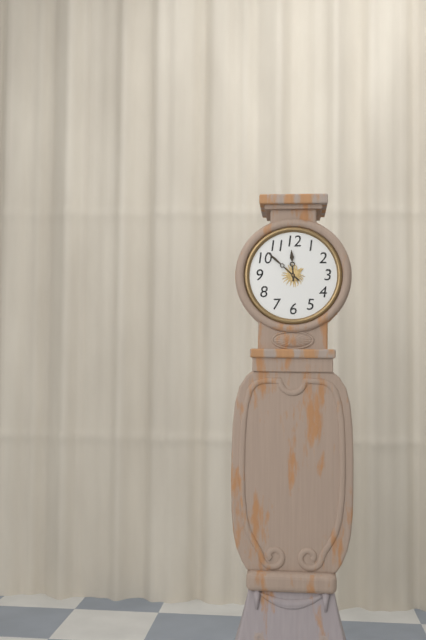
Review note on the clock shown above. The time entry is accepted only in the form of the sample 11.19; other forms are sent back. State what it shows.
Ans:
11.52
